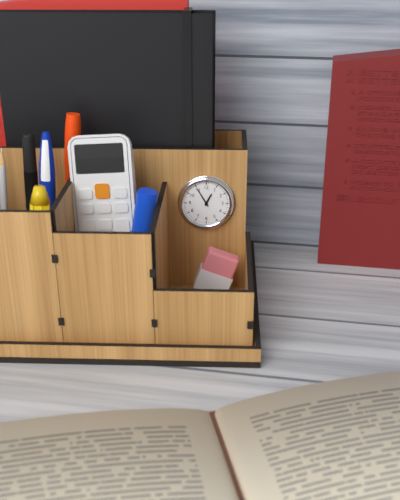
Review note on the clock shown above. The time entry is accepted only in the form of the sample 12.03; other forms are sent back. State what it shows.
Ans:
12.55
